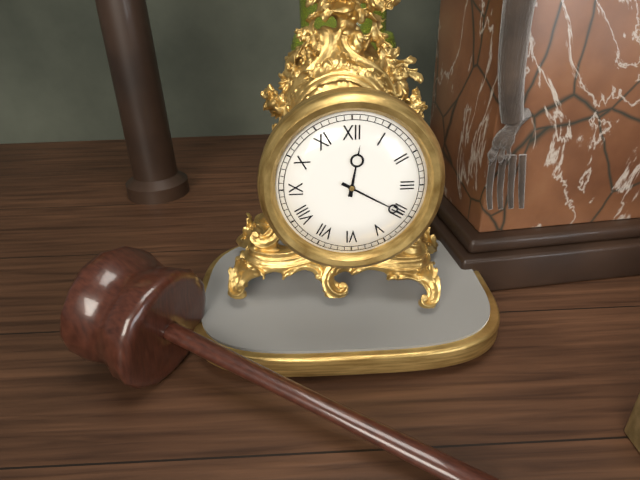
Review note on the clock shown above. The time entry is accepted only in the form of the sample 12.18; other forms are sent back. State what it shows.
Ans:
12.20
